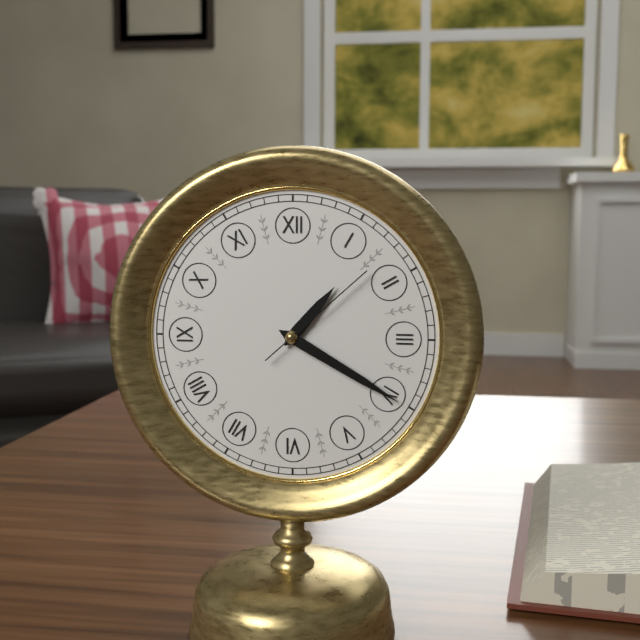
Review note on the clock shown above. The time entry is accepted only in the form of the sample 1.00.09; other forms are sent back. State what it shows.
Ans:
1.20.08
